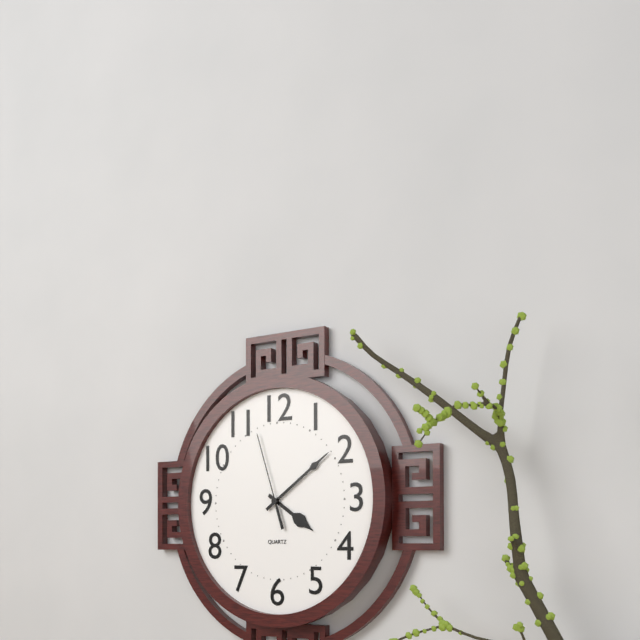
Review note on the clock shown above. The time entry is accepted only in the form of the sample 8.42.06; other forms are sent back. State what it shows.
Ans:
4.09.57
